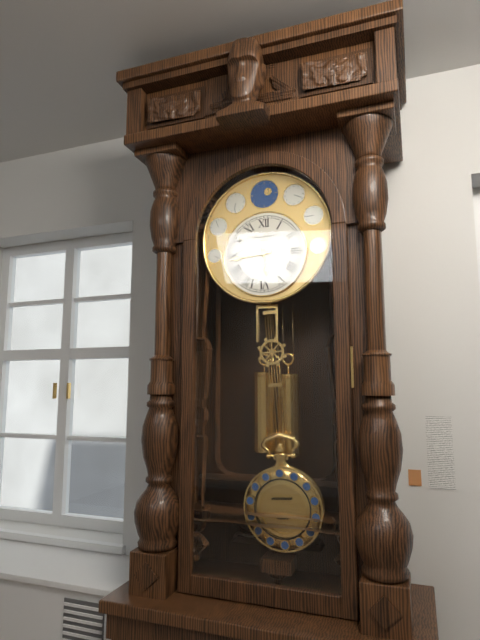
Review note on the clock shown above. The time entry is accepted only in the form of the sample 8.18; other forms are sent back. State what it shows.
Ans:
5.44
